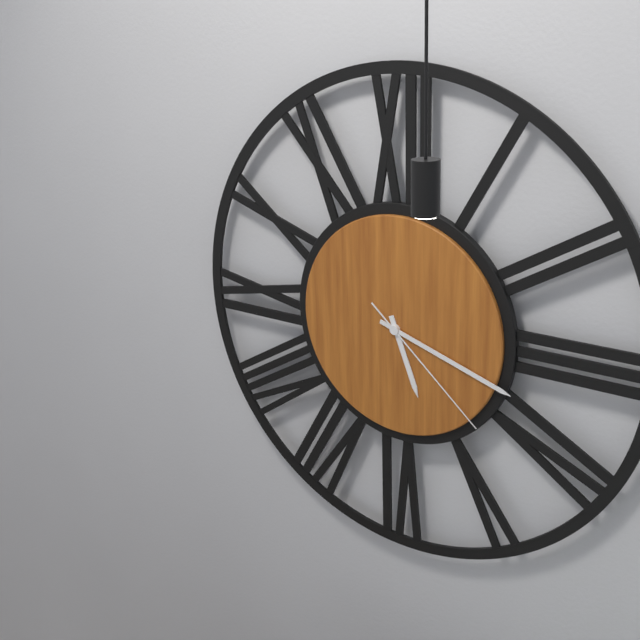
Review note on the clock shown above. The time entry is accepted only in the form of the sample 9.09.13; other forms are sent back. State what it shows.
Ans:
5.18.22
